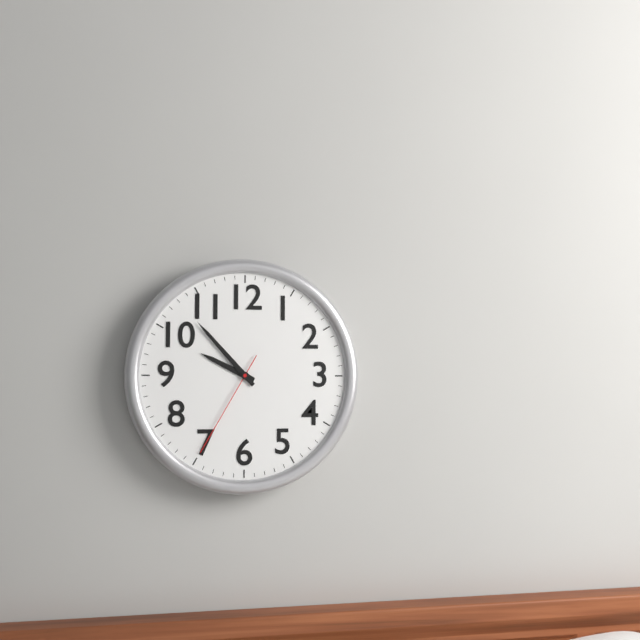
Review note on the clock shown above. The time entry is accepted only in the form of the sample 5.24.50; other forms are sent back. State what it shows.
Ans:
9.53.35
